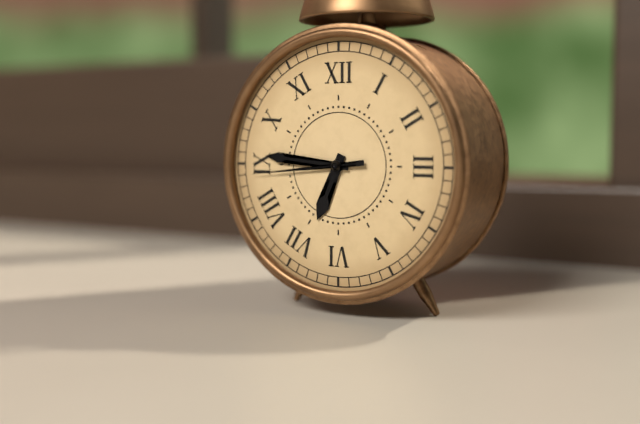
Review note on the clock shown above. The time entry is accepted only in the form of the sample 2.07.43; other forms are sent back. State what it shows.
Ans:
6.46.44
